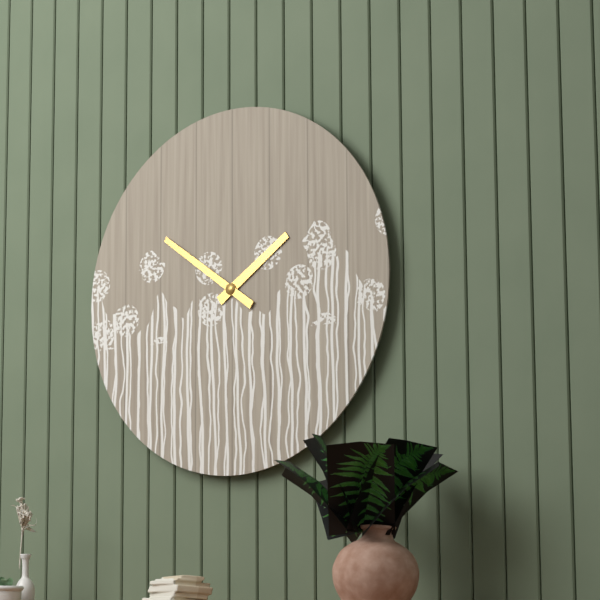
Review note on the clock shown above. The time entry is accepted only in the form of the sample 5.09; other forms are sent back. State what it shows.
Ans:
1.51
